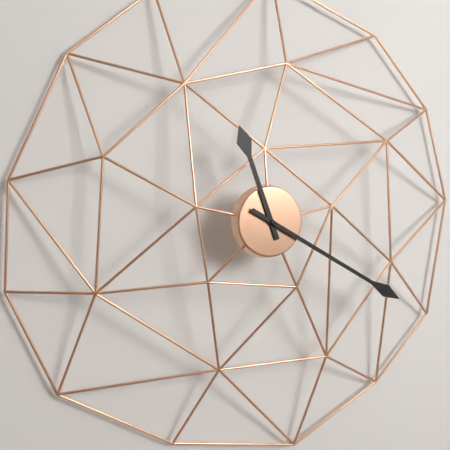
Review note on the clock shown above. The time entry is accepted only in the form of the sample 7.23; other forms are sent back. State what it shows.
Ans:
11.20
